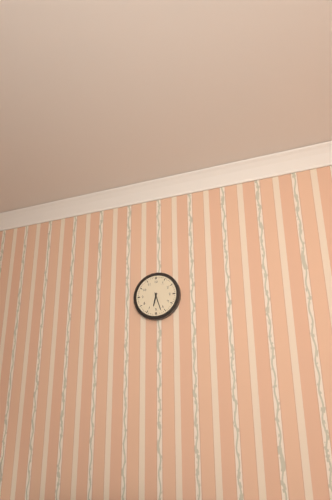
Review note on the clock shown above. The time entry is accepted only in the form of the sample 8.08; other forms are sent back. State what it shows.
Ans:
6.27
